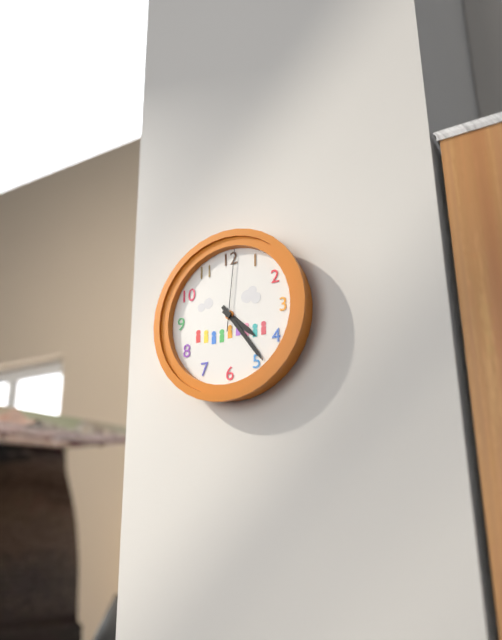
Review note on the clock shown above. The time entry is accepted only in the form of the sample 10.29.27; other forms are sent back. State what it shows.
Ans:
4.24.01
